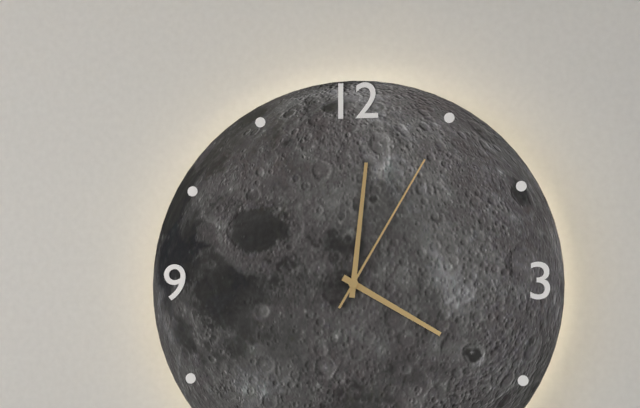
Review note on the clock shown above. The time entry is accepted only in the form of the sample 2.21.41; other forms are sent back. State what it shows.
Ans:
4.01.05
